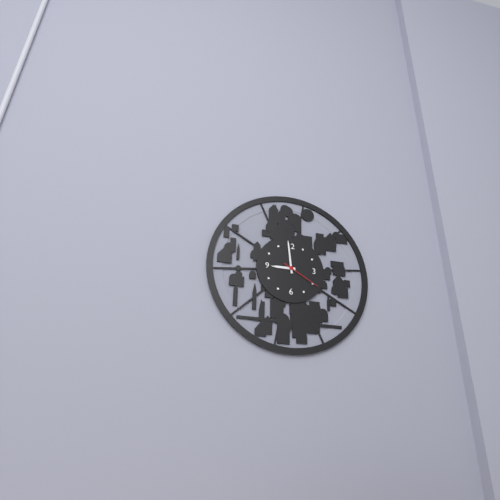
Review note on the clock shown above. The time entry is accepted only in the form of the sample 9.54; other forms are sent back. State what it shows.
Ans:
8.59
